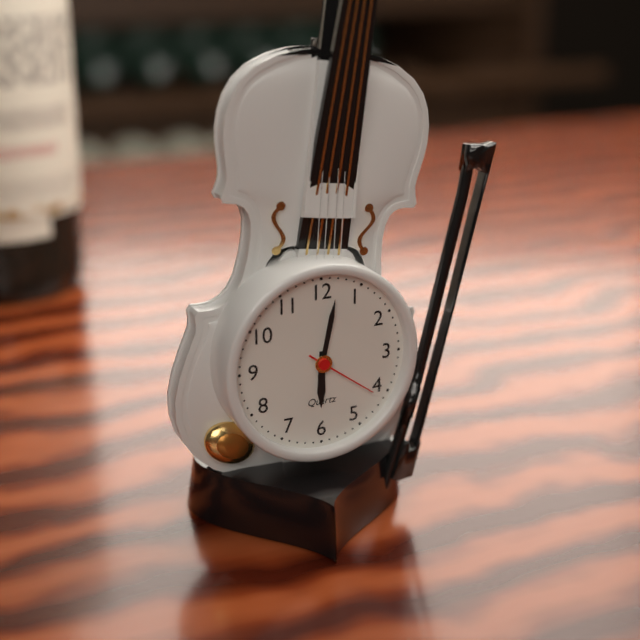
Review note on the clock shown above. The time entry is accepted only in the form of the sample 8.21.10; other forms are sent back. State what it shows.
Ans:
6.02.21
